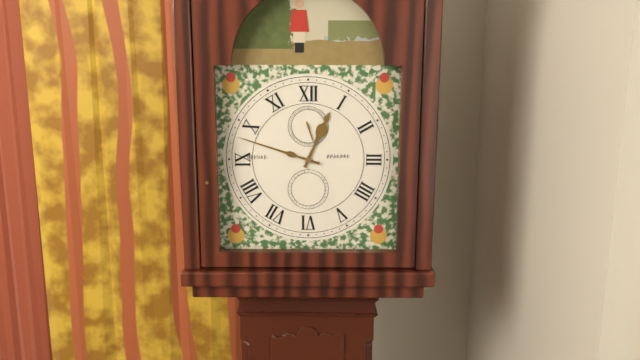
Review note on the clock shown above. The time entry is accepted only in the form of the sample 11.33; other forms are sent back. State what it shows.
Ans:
12.48
